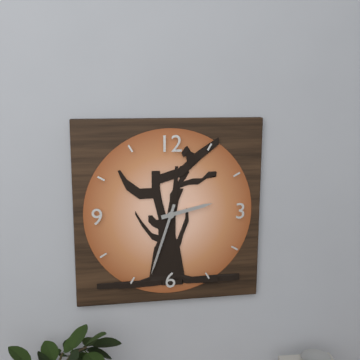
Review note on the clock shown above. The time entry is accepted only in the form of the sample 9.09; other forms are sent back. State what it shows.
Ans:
2.33
